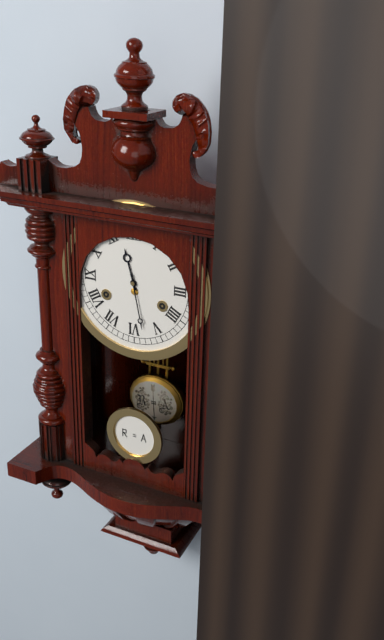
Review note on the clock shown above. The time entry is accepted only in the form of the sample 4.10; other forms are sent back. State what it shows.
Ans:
11.28
